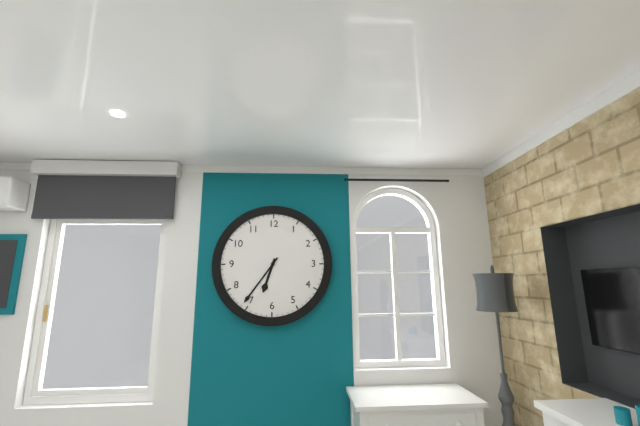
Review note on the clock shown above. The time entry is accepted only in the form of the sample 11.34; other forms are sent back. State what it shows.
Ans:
6.36
